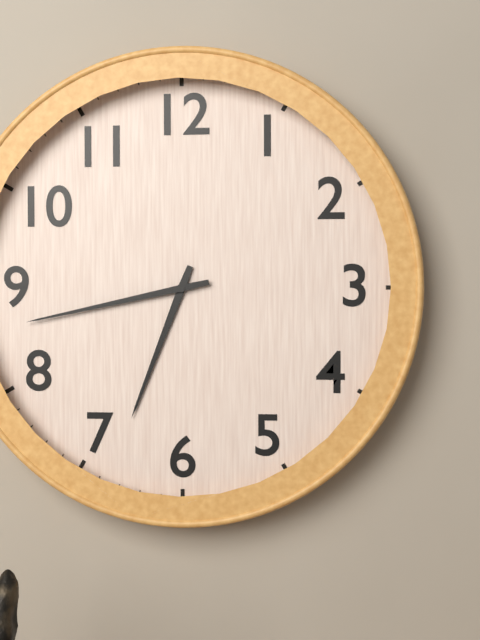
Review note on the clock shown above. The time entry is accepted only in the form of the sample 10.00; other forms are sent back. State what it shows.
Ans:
6.43
